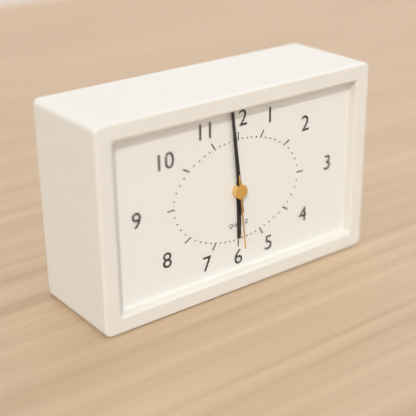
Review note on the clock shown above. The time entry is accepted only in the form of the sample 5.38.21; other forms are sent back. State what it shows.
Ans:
5.59.29
